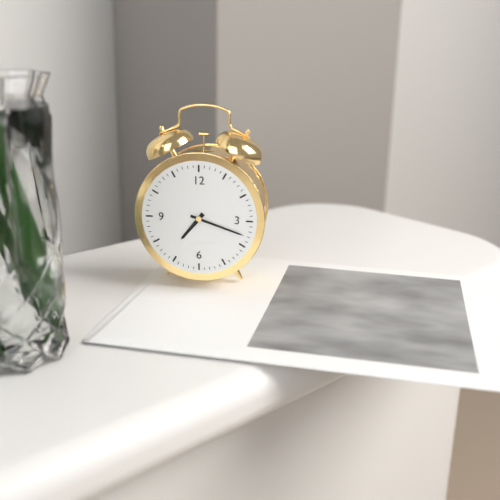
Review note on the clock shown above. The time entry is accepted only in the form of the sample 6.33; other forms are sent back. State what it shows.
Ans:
7.18
